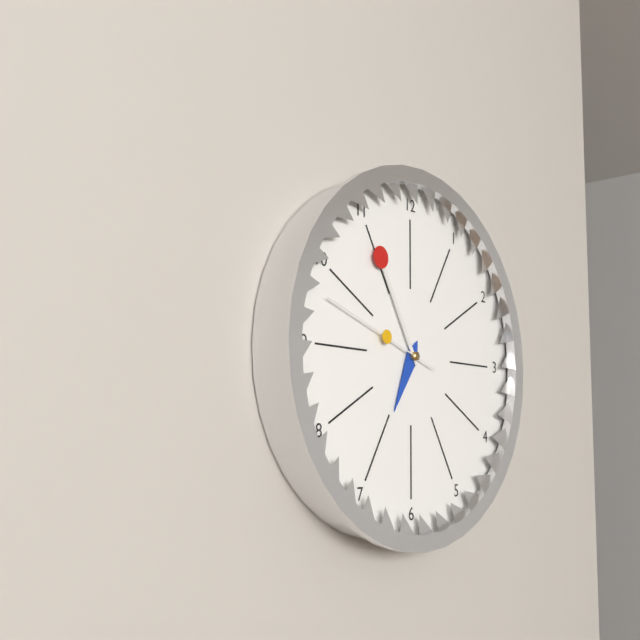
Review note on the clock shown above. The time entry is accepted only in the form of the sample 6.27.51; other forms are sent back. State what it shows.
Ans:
6.55.48
